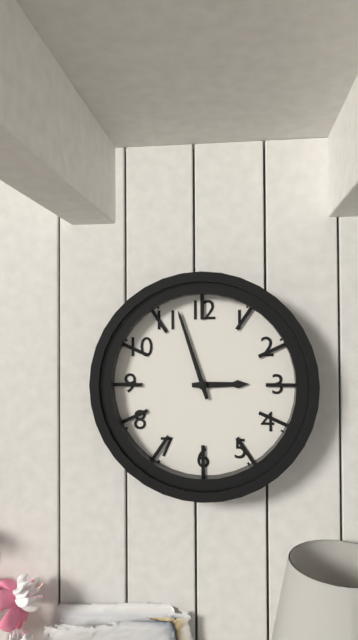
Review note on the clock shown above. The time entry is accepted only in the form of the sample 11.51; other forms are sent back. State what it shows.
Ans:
2.57
